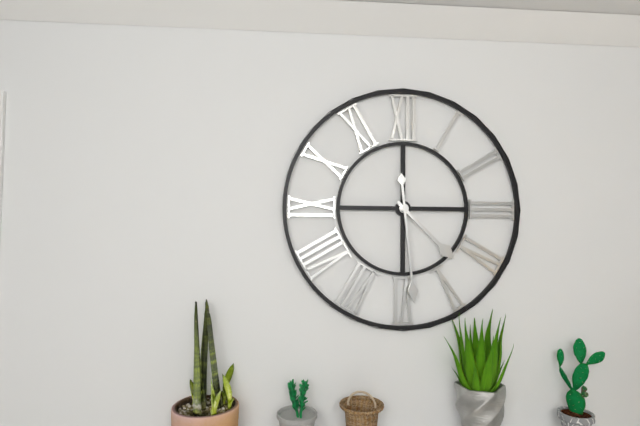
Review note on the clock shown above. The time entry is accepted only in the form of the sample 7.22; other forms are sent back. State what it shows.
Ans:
4.29
